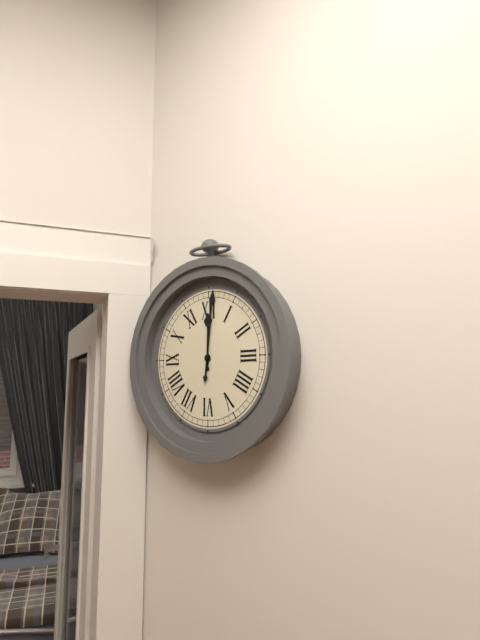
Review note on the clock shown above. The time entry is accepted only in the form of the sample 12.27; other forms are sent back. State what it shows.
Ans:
12.01
